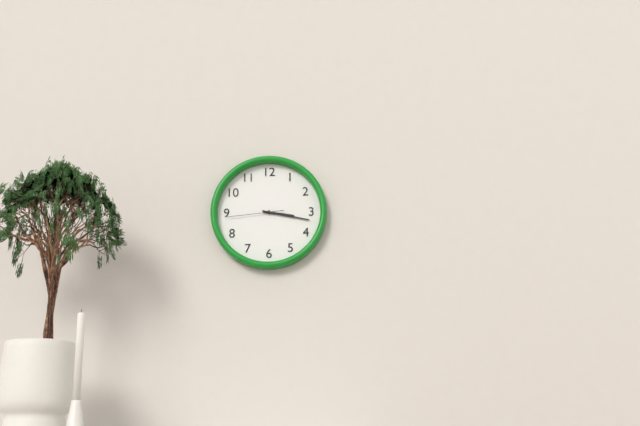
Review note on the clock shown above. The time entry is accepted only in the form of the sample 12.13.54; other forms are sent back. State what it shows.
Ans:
3.17.44
